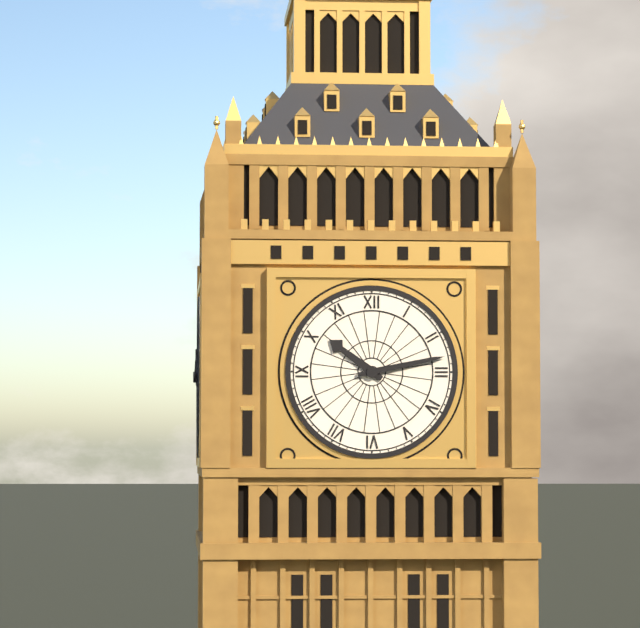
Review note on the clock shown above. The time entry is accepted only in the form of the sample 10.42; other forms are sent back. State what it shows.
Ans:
10.13
